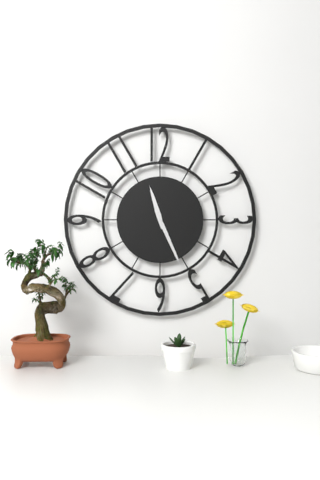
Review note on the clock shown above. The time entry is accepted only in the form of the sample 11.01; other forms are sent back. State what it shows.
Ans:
11.26
